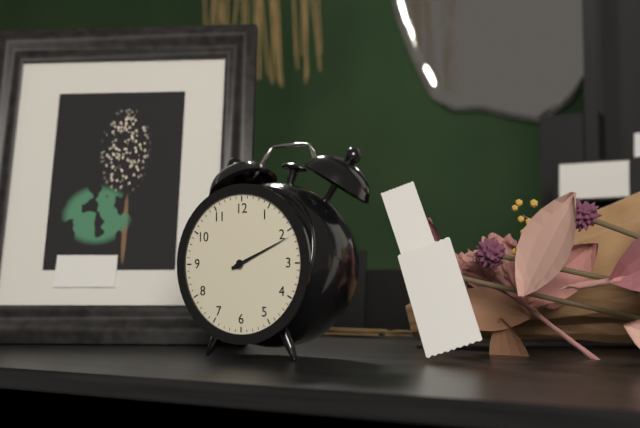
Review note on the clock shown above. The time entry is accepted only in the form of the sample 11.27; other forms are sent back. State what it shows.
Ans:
2.11
